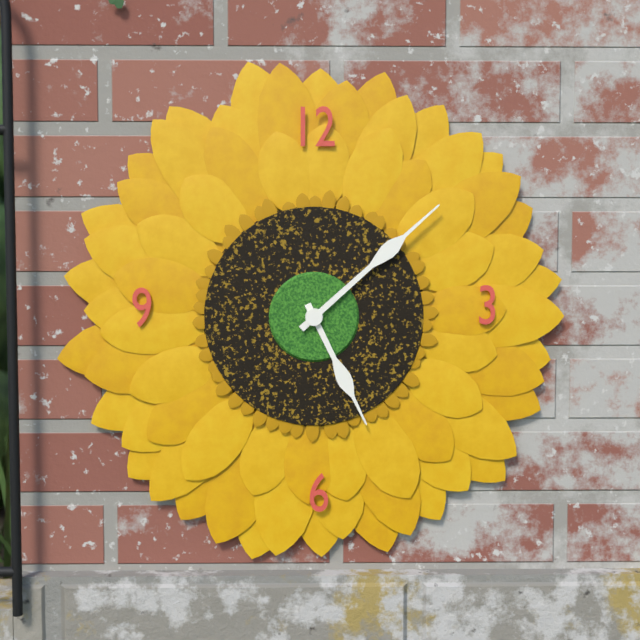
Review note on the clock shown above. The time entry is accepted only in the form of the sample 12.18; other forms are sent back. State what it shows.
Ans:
5.08
